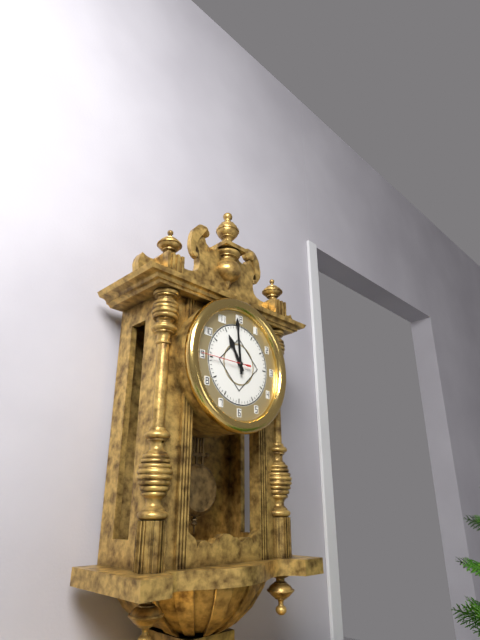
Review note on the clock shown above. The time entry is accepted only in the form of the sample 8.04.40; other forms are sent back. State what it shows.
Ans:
10.59.45
